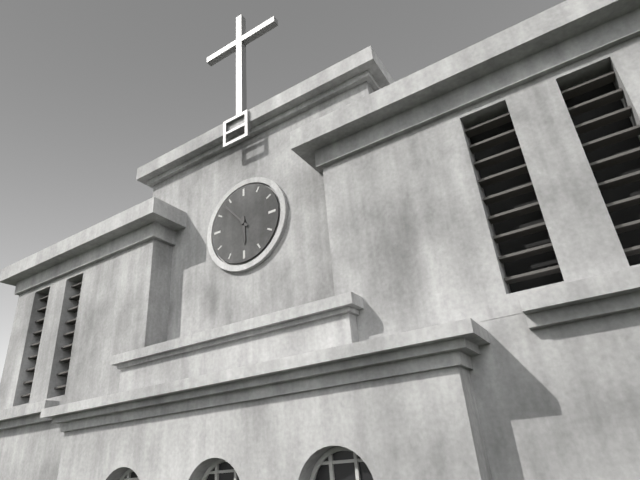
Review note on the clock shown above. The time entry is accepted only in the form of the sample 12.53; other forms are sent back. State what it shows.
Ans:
5.53
